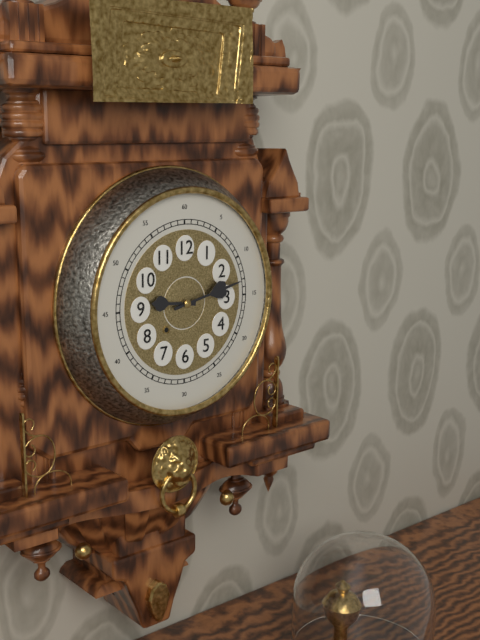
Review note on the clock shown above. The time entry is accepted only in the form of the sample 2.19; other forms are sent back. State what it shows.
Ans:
9.13
